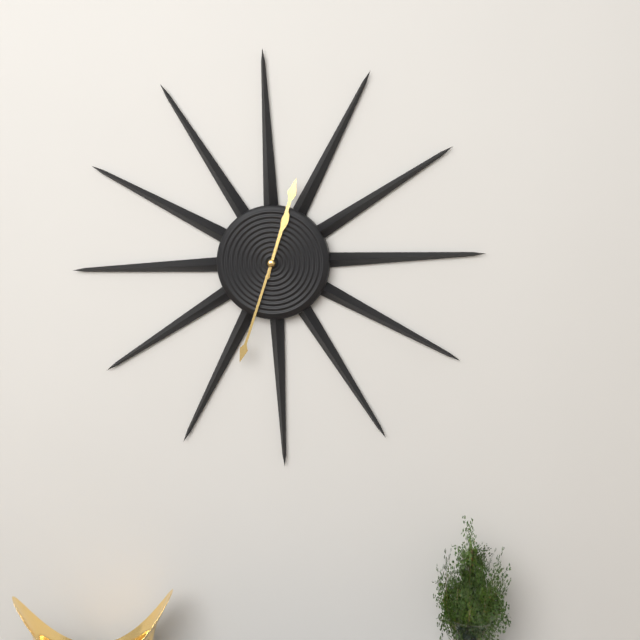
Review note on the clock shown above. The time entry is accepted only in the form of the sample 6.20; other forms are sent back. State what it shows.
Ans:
12.33
